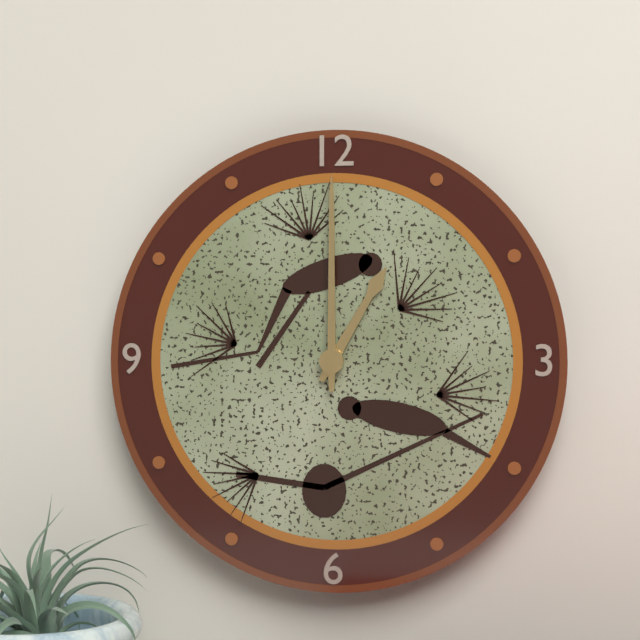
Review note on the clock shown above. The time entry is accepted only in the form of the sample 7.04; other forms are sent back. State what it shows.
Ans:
1.00
